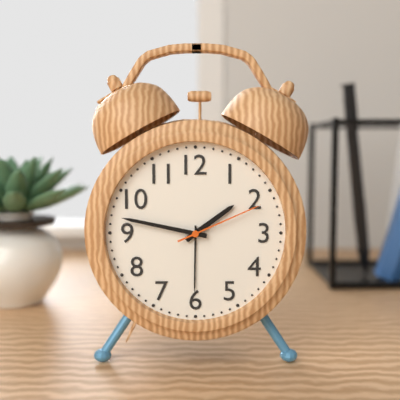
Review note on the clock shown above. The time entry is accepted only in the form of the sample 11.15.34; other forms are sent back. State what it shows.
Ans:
1.47.11
